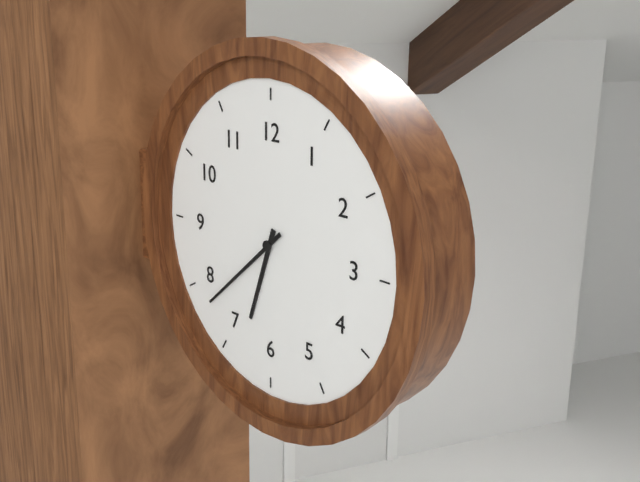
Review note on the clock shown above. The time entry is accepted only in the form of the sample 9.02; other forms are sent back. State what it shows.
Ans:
6.38
